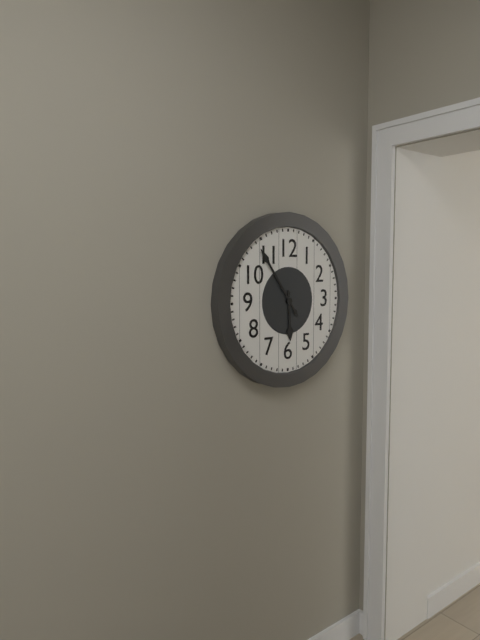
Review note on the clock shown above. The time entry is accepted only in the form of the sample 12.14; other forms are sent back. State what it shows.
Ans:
5.54
